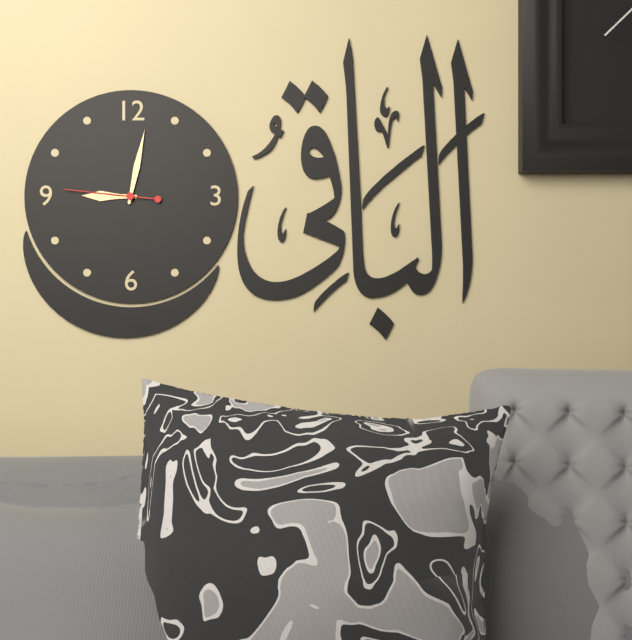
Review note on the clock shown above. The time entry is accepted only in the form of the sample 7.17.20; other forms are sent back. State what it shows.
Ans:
9.02.46
